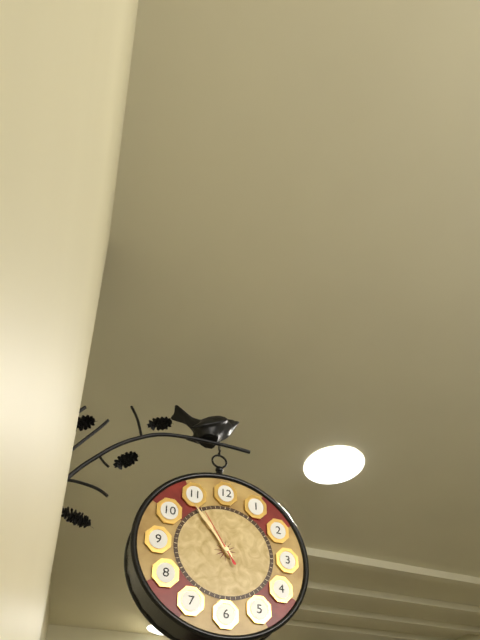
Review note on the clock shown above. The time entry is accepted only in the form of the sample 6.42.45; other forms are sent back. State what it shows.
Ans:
10.54.55
